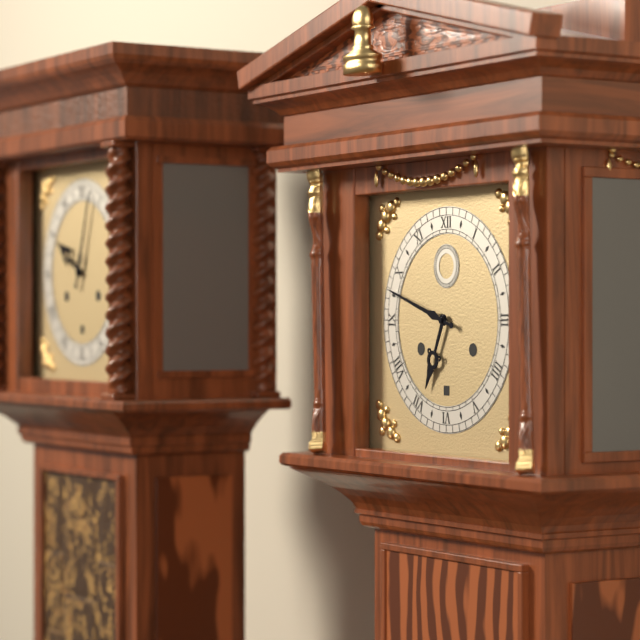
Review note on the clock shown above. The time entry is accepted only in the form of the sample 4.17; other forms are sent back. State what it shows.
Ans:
6.48
